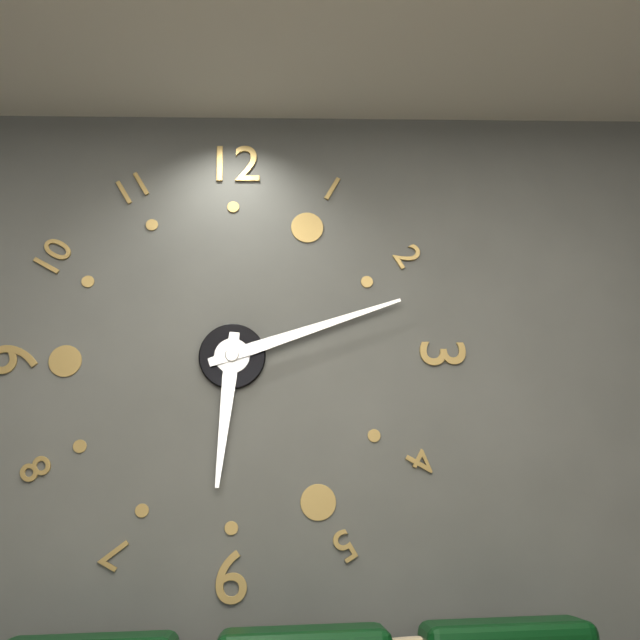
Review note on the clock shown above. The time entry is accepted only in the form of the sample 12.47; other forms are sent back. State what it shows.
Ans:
6.12
